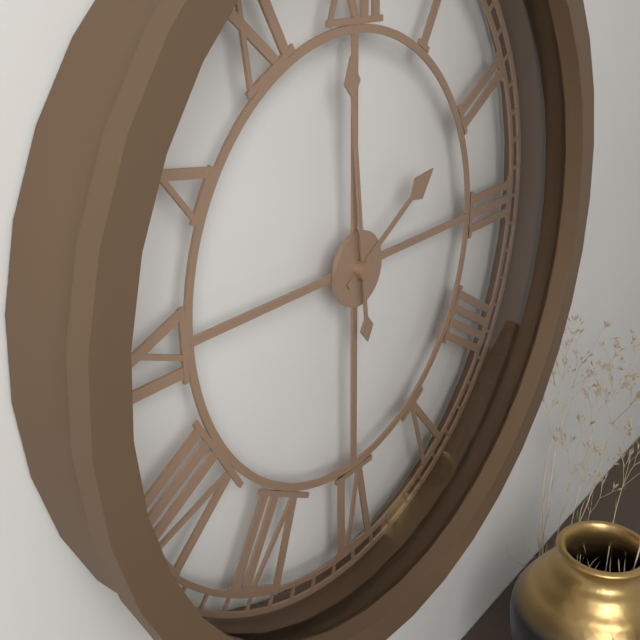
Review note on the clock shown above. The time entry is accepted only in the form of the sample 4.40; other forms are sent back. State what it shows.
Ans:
1.59
